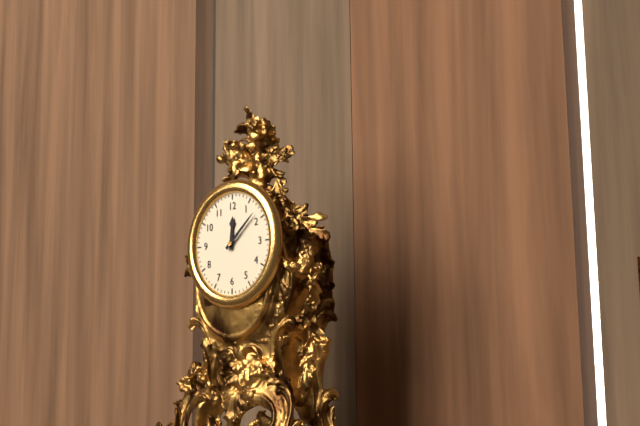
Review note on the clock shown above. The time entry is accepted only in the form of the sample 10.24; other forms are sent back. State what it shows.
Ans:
12.08
